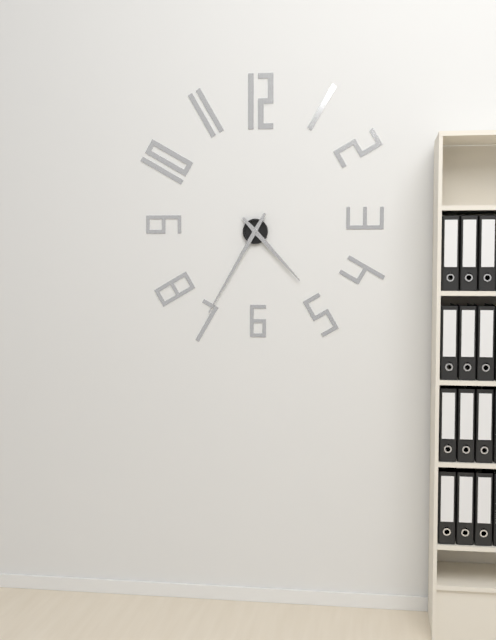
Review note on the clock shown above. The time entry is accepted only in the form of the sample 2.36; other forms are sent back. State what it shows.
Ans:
4.35
